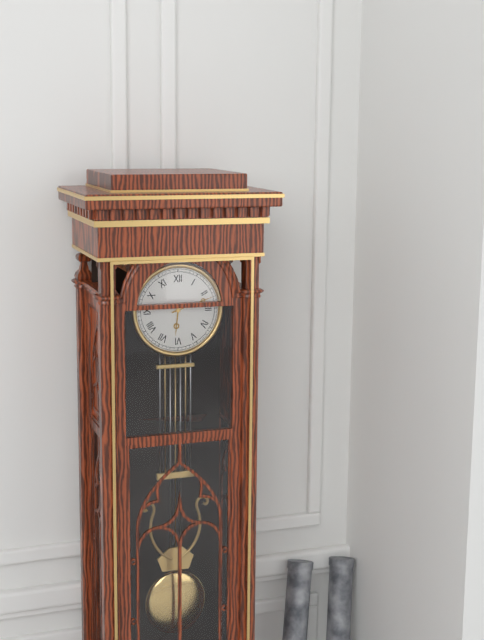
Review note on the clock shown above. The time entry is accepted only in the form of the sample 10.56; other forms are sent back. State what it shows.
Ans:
6.12
